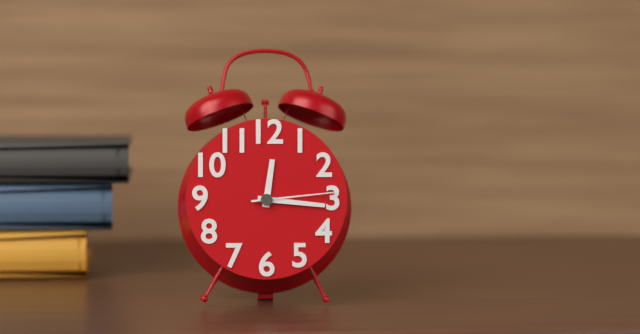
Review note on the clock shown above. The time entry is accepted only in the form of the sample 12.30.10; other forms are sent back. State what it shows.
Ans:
12.16.14
